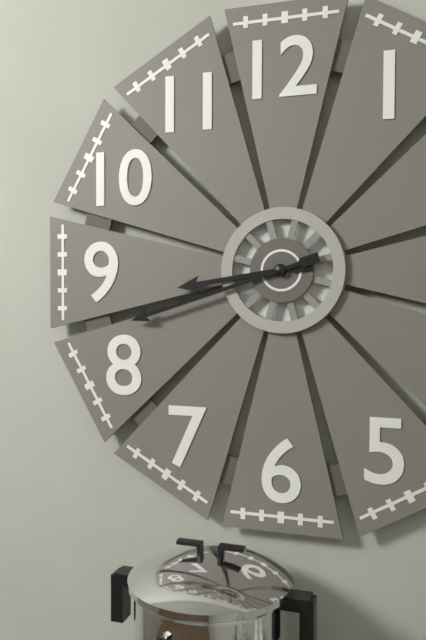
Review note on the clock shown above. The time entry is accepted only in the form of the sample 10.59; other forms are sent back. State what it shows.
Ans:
8.42
